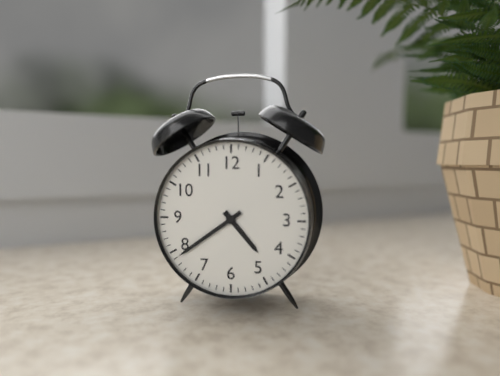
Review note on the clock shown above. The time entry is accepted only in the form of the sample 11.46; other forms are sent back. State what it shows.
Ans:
4.39
